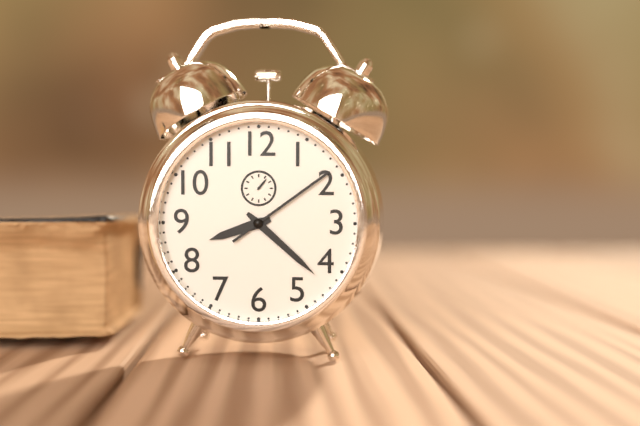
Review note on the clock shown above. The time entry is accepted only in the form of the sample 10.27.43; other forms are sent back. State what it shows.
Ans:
8.22.09
